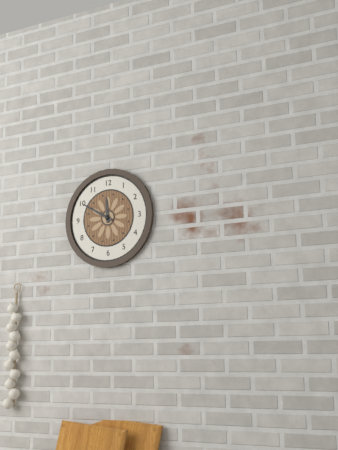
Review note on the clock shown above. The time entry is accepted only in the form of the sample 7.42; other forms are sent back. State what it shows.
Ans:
11.50
